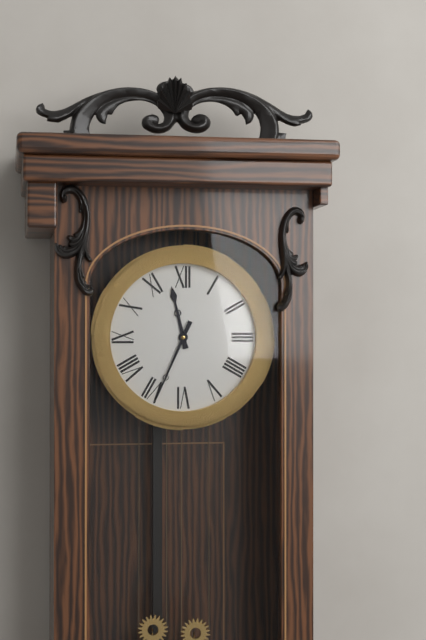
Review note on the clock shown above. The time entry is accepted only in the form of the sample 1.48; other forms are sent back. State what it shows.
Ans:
11.34
